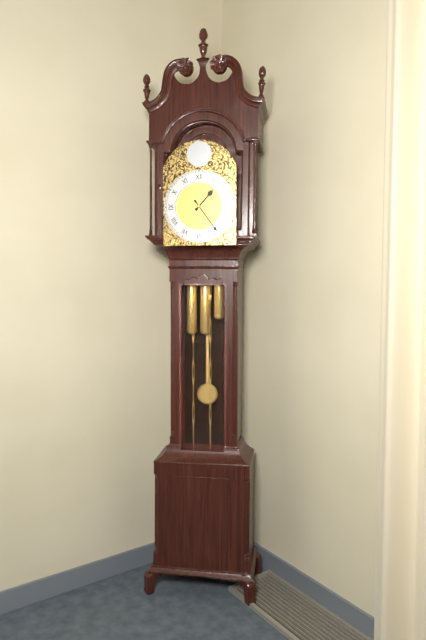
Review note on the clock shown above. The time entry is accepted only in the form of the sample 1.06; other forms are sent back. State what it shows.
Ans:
1.24
